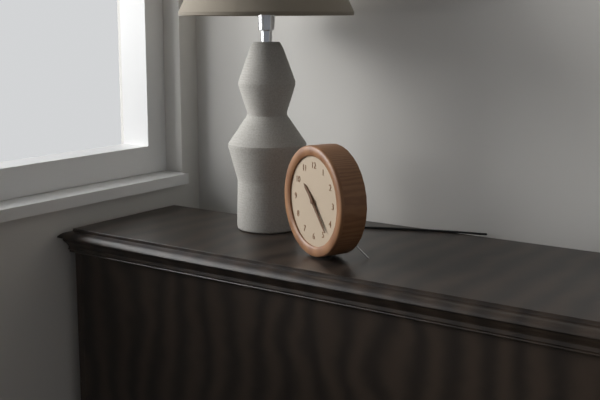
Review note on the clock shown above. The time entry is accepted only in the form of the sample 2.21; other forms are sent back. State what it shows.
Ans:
10.23
